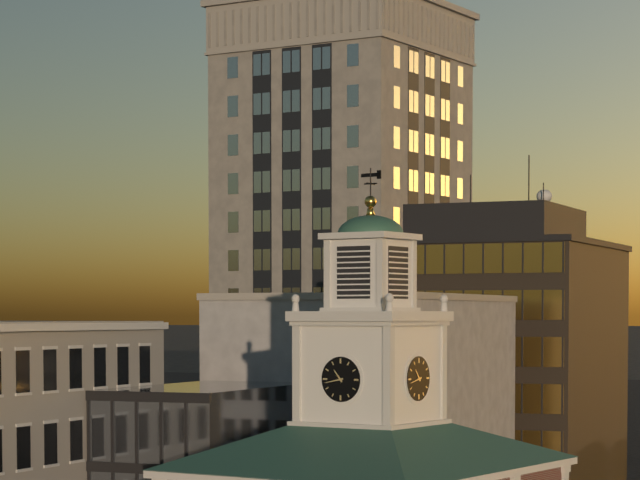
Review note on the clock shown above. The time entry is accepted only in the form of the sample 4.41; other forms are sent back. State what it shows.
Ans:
10.43
